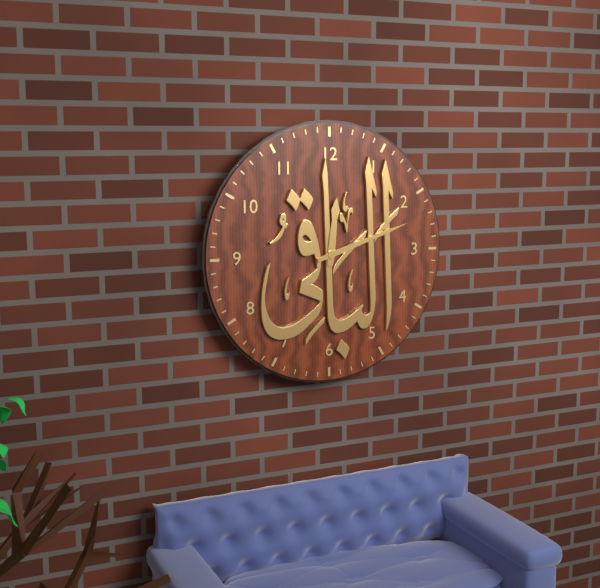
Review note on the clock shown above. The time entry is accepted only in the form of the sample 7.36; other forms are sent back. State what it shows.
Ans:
12.12
